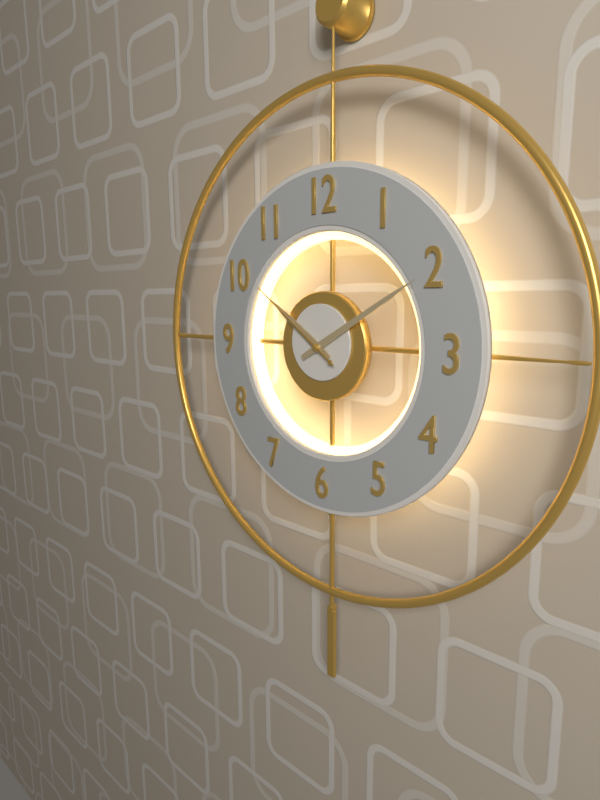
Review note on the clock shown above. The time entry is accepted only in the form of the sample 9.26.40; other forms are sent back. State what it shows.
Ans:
10.10.51
